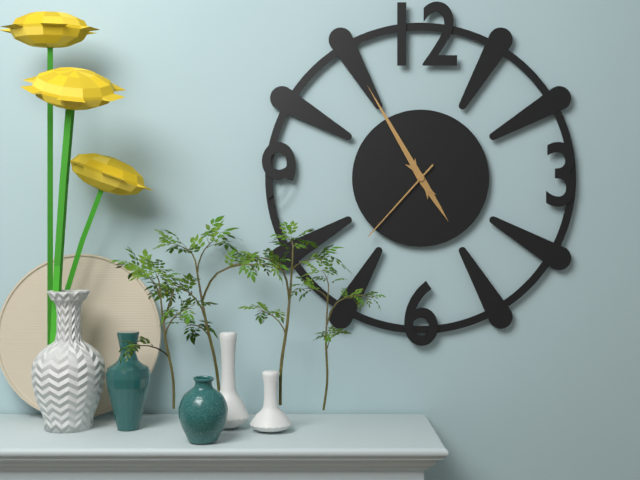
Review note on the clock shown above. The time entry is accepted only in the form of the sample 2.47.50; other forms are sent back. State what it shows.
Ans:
4.55.37
